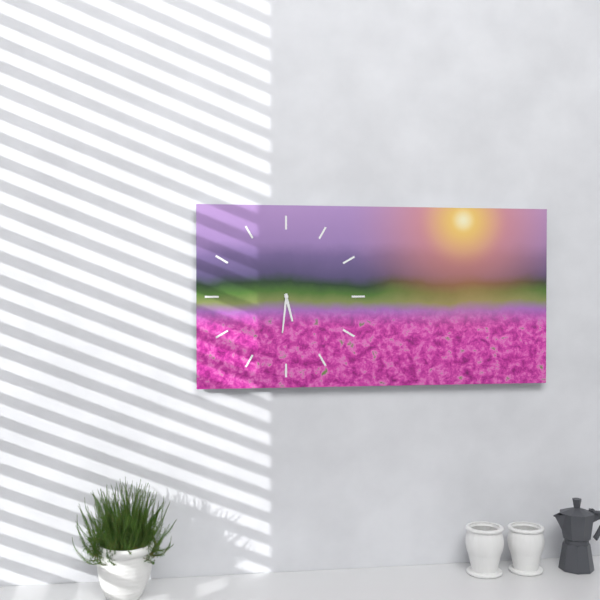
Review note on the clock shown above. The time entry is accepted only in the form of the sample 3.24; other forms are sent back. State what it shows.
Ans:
5.31
